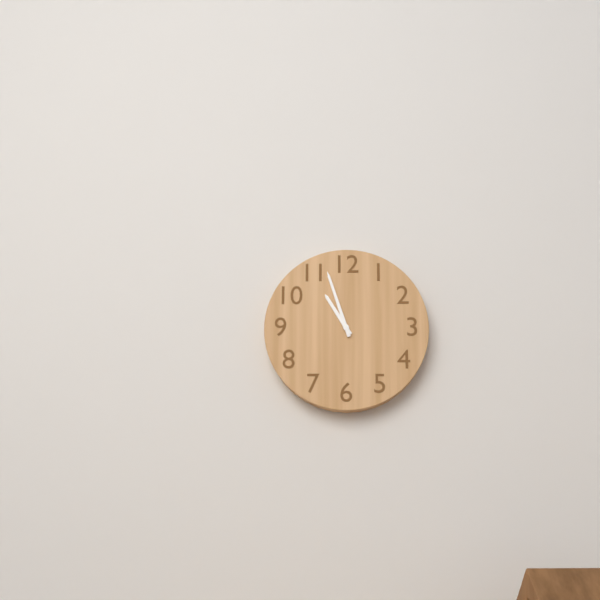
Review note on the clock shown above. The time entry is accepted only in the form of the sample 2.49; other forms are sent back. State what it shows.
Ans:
10.57
